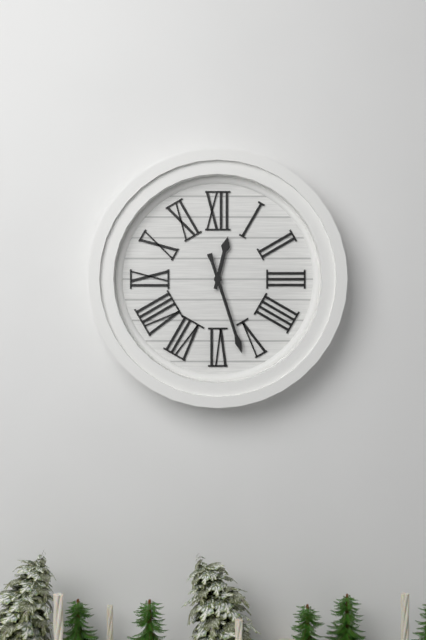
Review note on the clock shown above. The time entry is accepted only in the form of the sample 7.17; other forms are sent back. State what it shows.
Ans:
12.27
